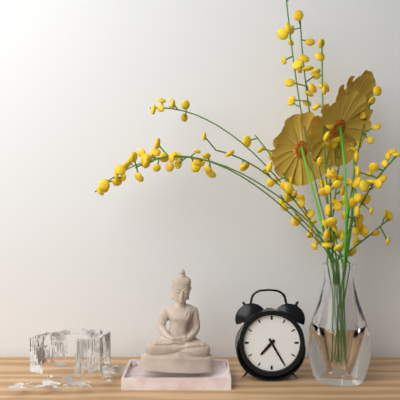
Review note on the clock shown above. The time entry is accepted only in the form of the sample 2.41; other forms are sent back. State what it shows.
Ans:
7.25
